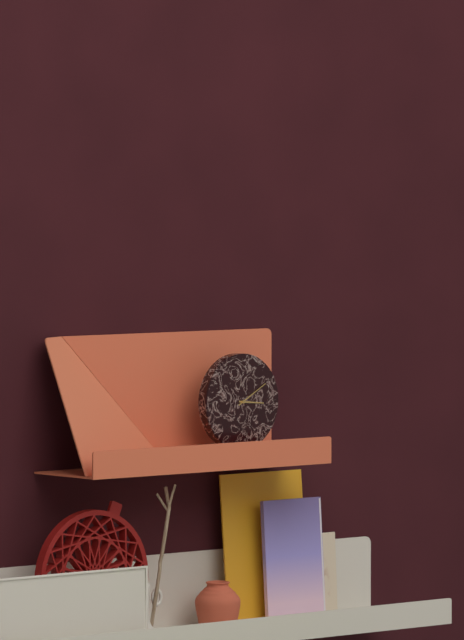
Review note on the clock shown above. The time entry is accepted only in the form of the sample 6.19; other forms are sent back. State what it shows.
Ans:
3.10
